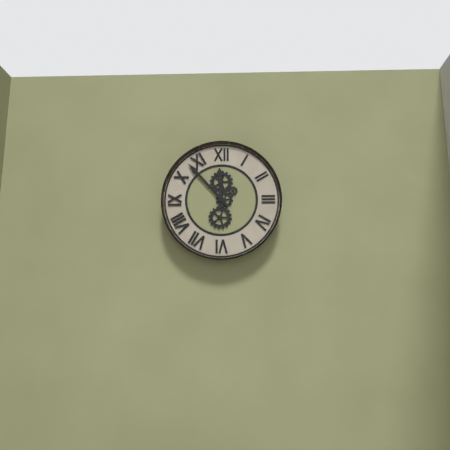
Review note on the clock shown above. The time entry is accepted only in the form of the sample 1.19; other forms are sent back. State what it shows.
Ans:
11.53
